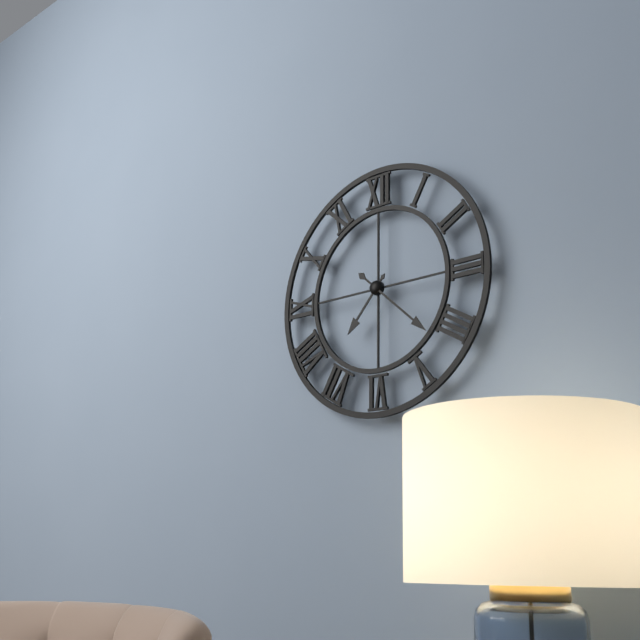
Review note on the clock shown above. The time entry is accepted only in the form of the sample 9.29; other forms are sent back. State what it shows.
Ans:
7.22
